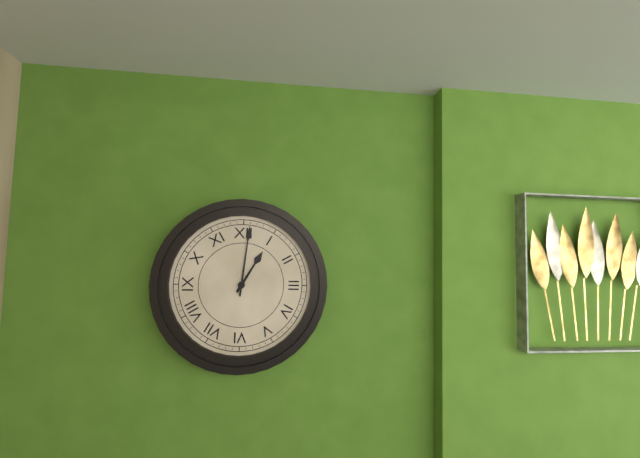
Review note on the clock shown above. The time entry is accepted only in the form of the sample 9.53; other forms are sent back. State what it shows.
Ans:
1.01
